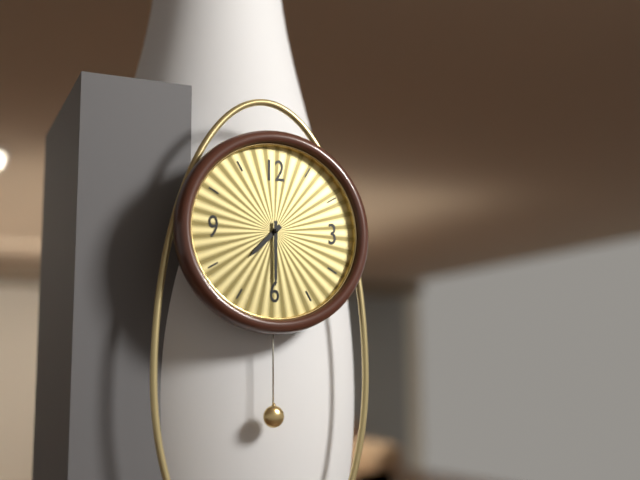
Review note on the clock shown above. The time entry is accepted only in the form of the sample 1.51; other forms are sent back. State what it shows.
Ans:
7.30
